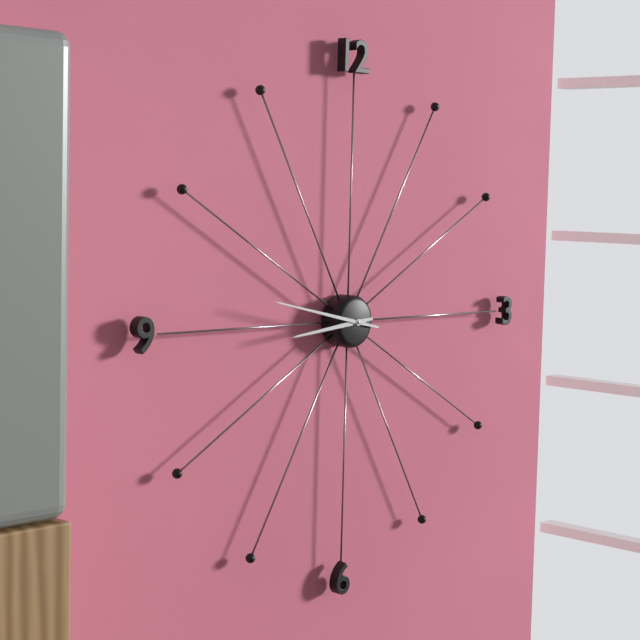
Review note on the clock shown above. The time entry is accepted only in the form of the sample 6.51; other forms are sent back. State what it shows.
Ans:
8.47
